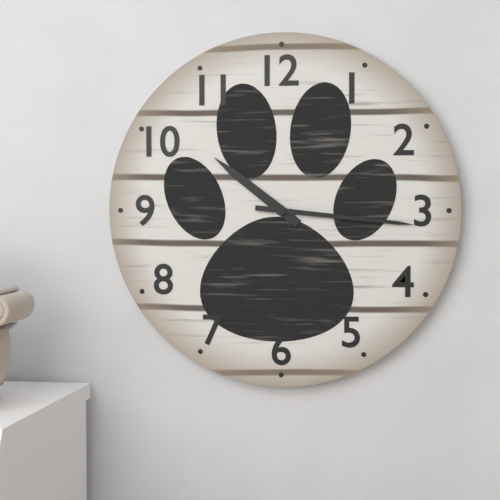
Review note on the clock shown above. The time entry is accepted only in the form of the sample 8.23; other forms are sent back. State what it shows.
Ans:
10.16
